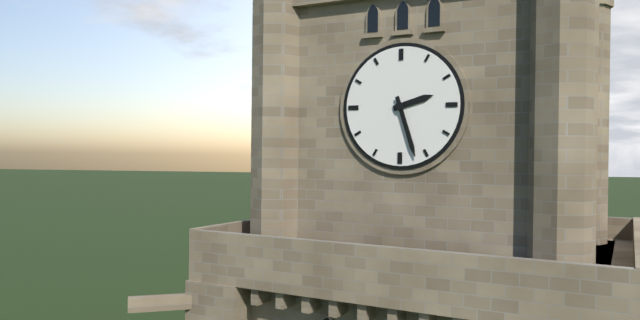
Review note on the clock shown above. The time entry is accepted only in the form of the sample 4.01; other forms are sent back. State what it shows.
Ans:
2.27
